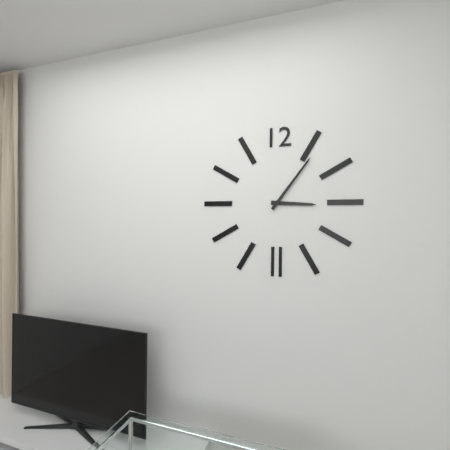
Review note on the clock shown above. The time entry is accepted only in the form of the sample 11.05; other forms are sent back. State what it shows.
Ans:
3.06
